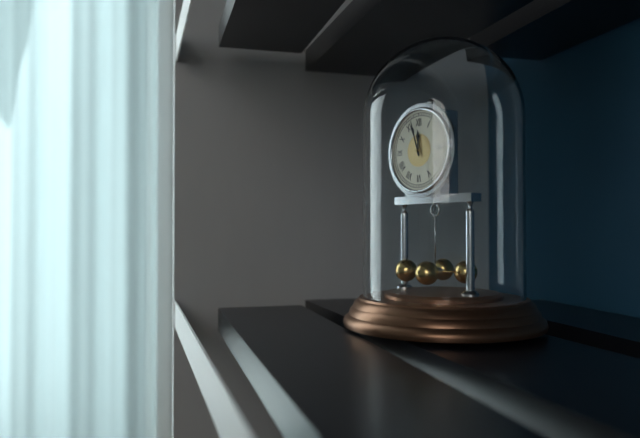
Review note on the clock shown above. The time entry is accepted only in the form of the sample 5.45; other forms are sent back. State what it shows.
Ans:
11.57
